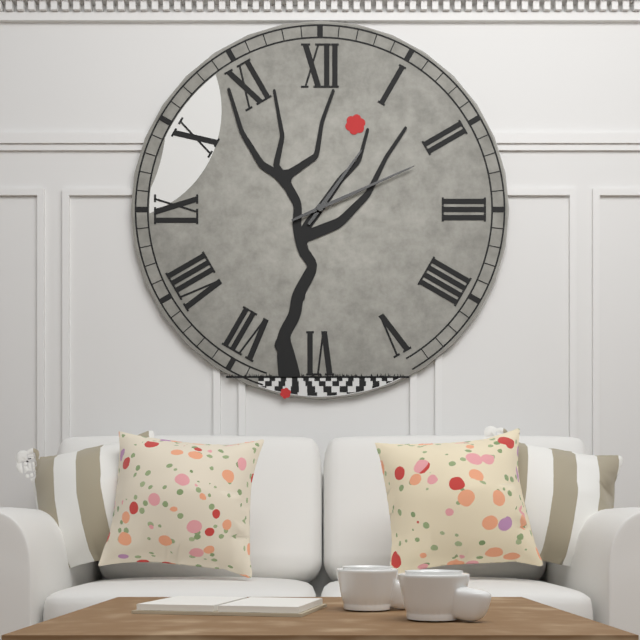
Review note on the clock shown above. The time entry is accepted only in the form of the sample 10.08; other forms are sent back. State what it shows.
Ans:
1.11
